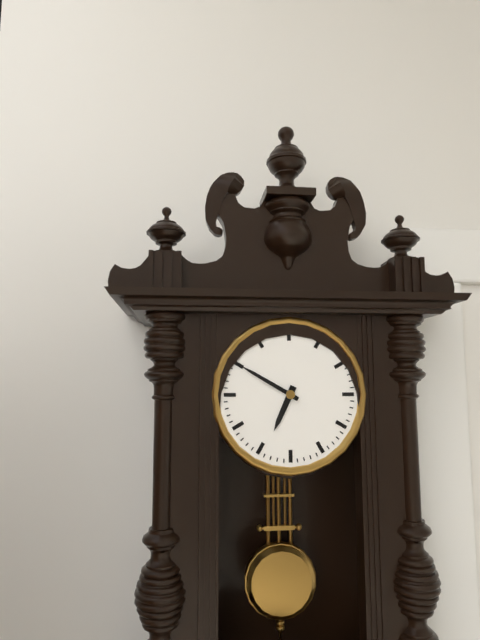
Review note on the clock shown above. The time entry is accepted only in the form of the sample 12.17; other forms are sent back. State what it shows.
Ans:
6.50
